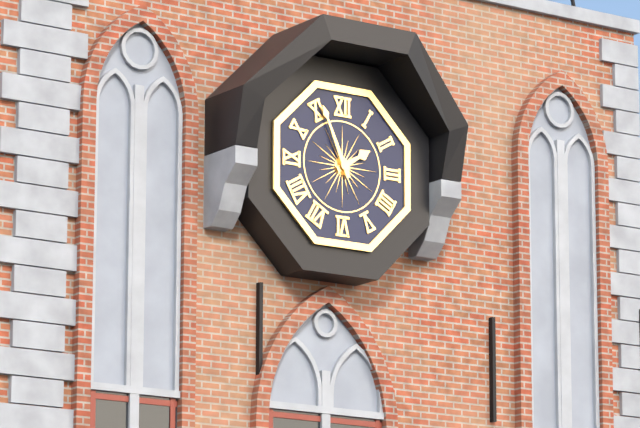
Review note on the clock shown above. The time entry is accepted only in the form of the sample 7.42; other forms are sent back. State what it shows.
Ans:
1.56
